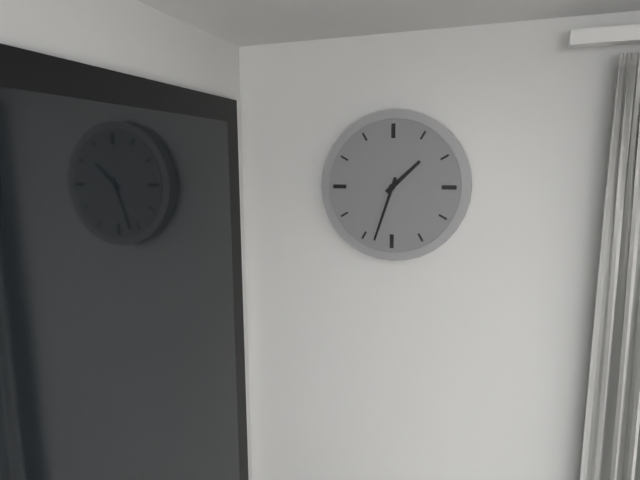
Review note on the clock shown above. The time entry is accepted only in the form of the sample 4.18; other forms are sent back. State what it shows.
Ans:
1.33
